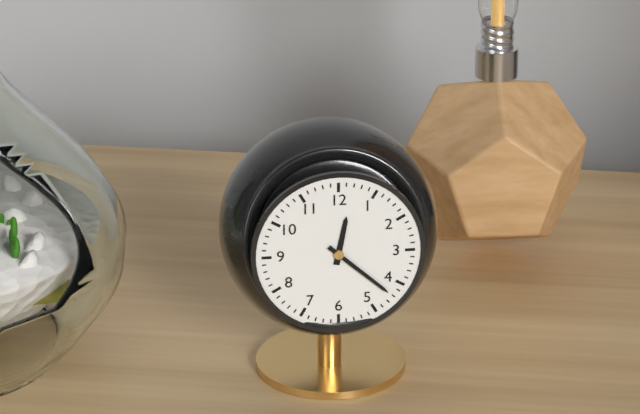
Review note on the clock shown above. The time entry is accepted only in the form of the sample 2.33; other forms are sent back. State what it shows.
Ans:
12.22
